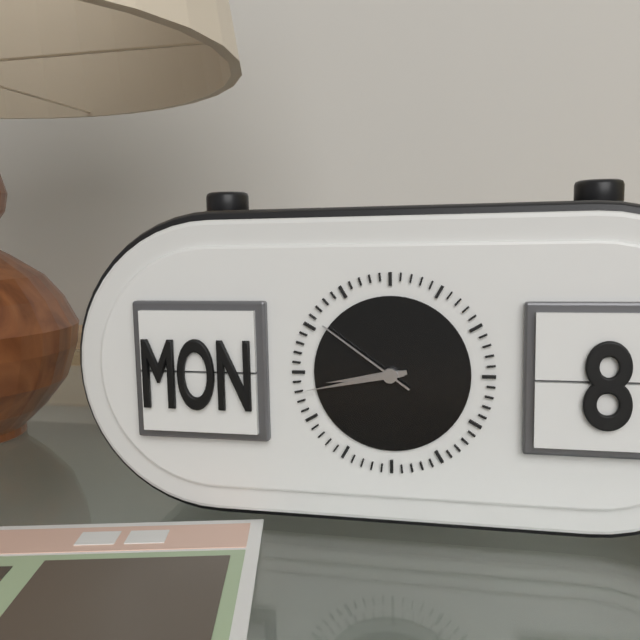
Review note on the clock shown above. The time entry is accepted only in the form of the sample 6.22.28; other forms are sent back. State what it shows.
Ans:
8.43.51
